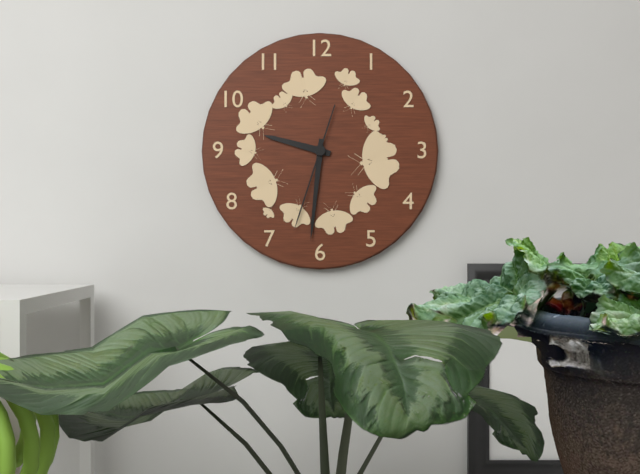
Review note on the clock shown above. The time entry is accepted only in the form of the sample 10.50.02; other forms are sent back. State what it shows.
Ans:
9.31.33
